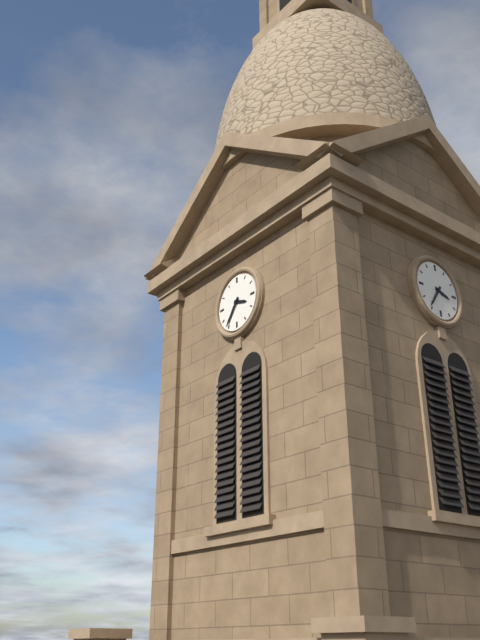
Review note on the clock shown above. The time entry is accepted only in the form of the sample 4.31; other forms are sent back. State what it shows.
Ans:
3.36
